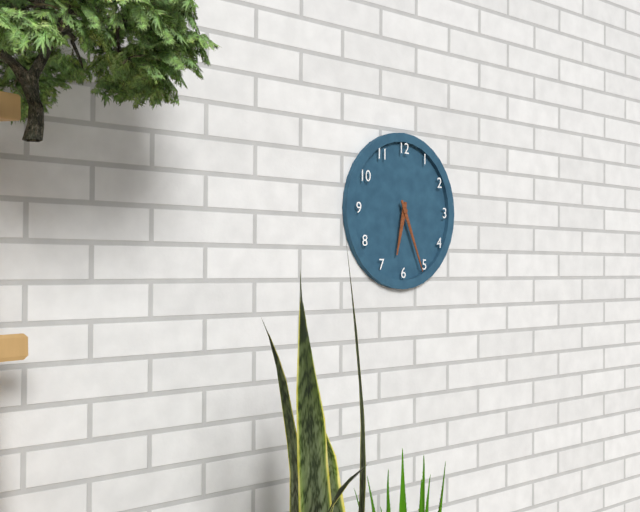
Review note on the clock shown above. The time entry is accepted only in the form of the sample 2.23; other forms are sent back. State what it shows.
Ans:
6.26
